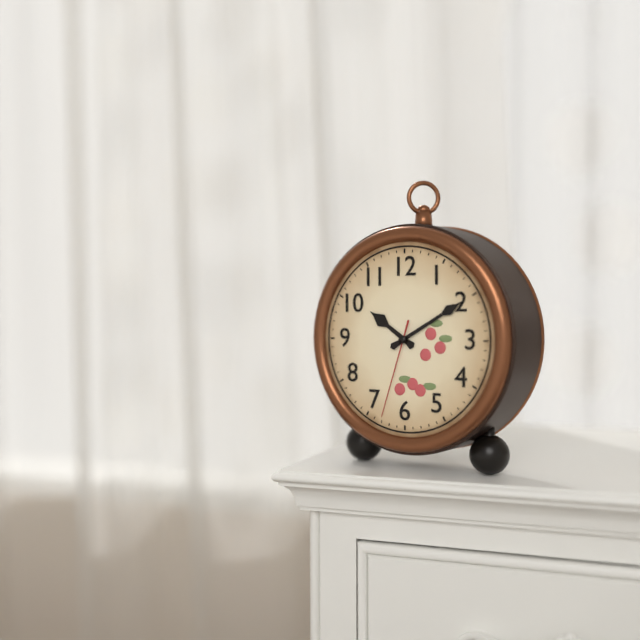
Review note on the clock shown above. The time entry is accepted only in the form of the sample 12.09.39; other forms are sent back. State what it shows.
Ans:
10.10.33
